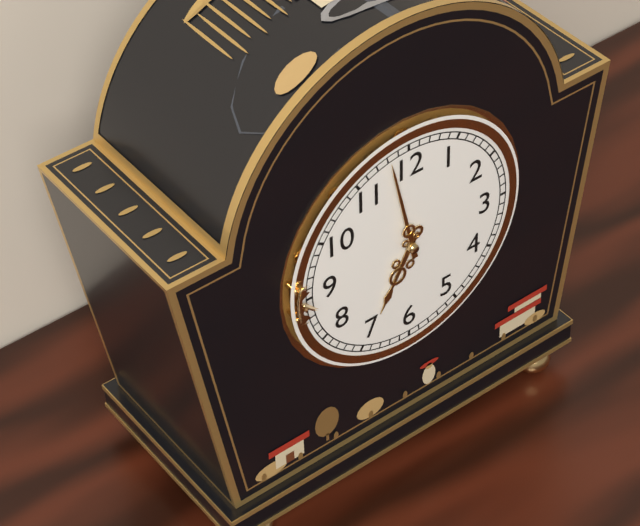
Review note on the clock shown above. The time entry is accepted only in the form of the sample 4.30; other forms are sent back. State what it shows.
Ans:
6.58
